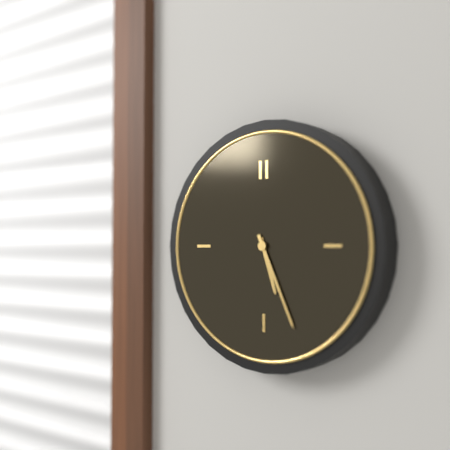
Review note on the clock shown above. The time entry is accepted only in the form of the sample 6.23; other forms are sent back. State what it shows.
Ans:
5.26
